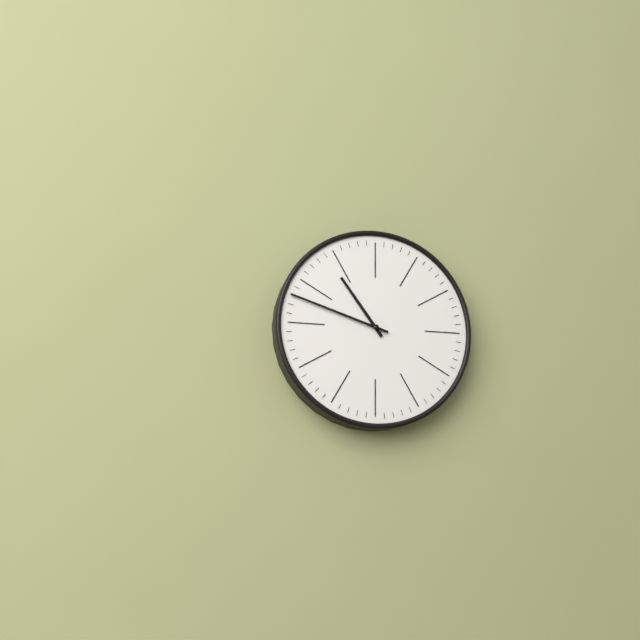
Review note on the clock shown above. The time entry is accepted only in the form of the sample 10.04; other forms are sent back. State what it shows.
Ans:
10.48
